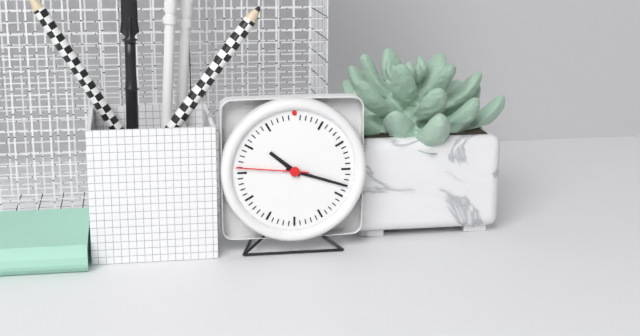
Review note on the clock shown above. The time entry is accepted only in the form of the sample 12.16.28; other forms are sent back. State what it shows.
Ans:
10.18.46
